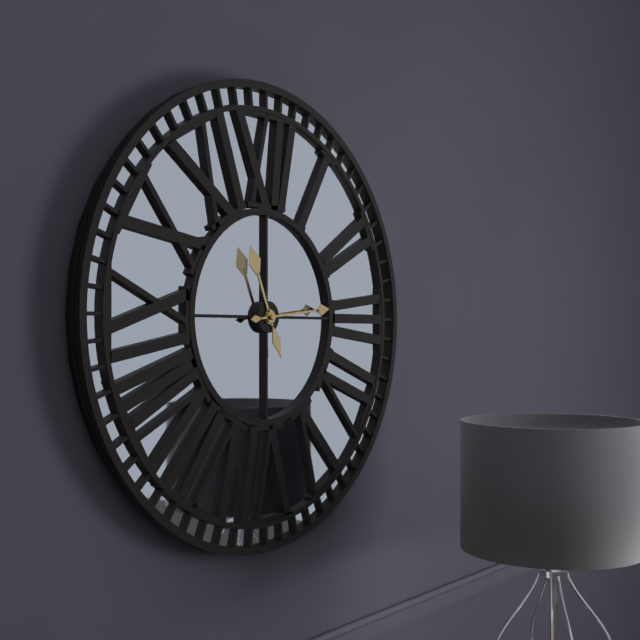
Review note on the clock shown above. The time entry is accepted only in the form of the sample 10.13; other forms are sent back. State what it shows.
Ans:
11.14
